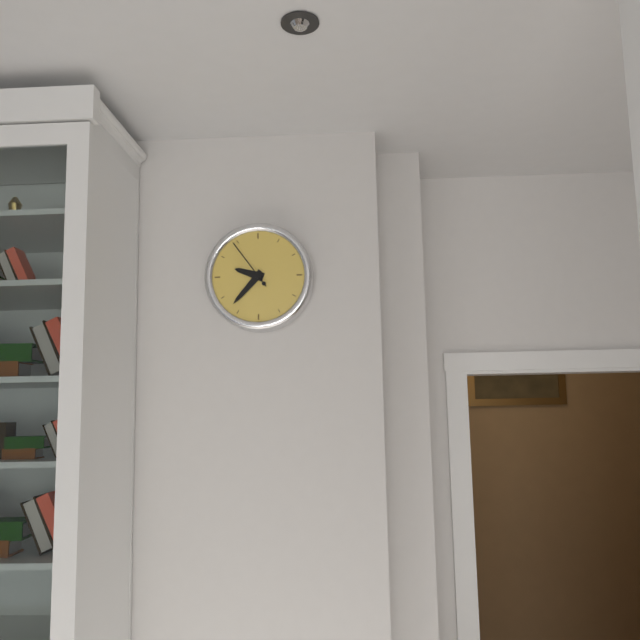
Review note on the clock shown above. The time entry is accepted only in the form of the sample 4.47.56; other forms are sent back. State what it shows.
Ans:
9.37.54
